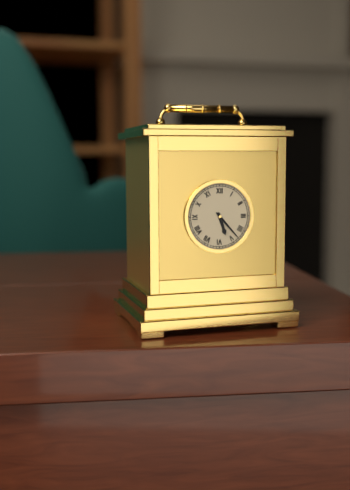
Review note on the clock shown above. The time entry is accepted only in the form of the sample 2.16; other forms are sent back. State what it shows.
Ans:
5.23
